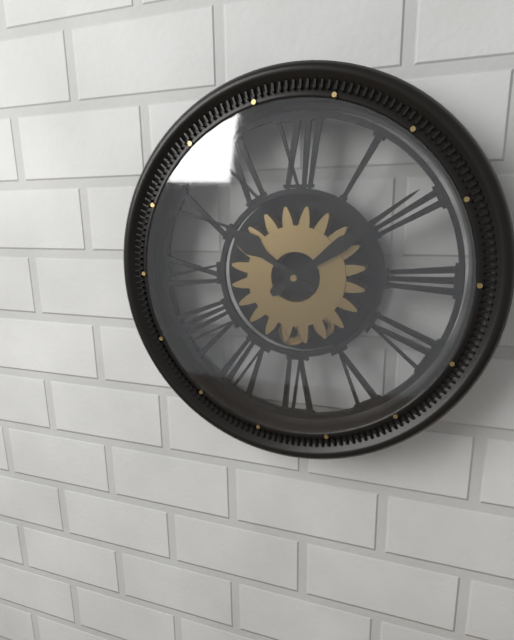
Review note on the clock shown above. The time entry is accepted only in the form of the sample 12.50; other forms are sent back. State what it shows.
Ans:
10.09
